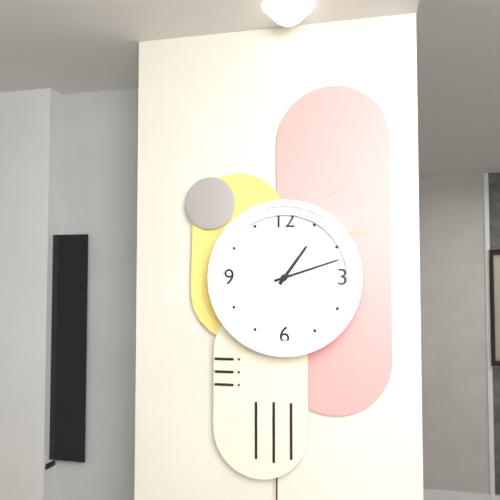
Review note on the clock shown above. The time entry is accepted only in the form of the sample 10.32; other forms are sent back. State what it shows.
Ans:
1.12
